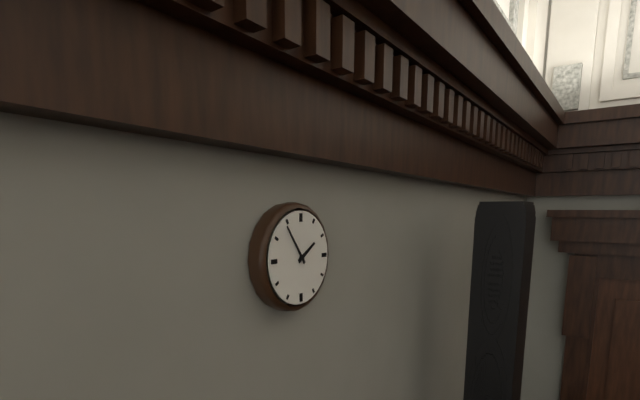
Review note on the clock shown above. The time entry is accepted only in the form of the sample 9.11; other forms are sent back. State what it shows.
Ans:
1.54
